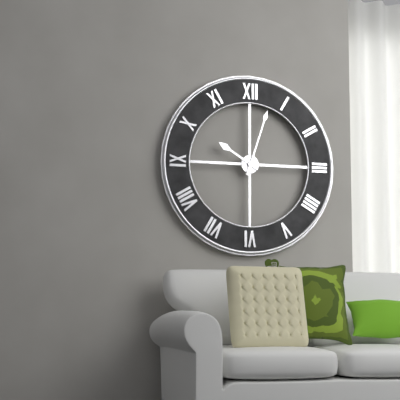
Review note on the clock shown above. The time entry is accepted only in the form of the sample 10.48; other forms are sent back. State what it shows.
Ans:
10.03
